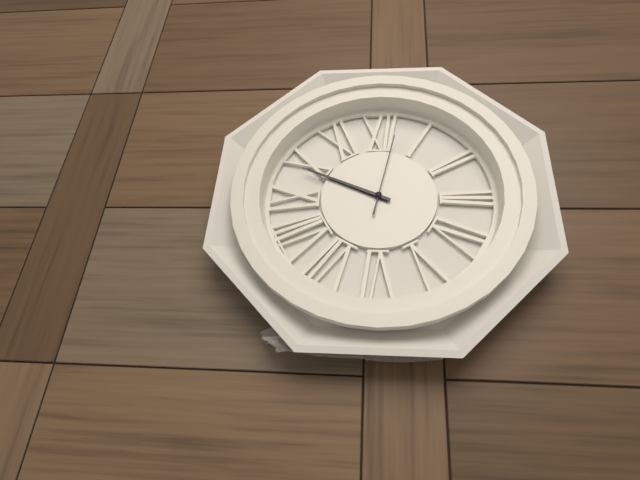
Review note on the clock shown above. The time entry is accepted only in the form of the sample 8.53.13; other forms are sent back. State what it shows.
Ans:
9.49.02
